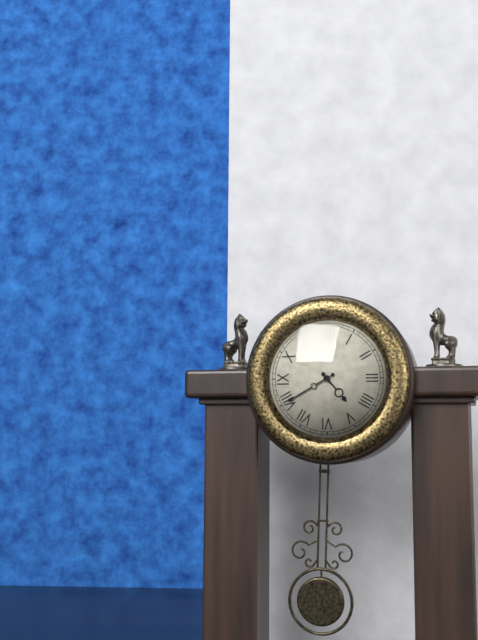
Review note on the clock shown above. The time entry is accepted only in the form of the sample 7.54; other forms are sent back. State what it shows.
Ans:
4.40
